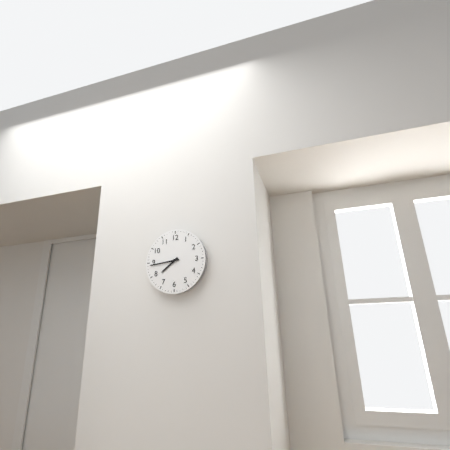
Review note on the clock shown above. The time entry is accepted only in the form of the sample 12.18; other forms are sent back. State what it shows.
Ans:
7.44
